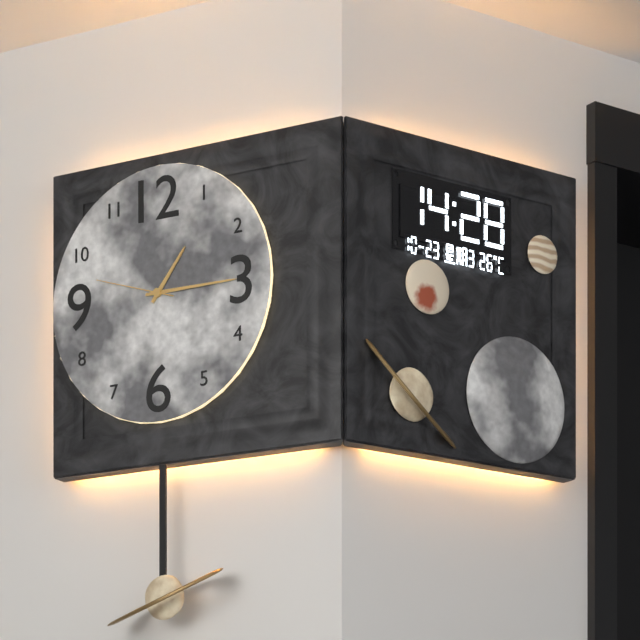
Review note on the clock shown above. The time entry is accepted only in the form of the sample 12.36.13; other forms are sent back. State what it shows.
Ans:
1.15.48
